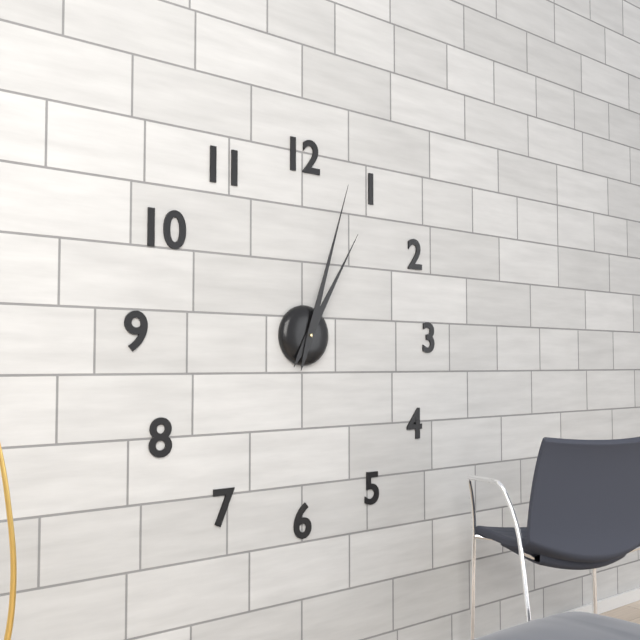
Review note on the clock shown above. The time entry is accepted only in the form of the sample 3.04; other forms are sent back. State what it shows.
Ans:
1.03
